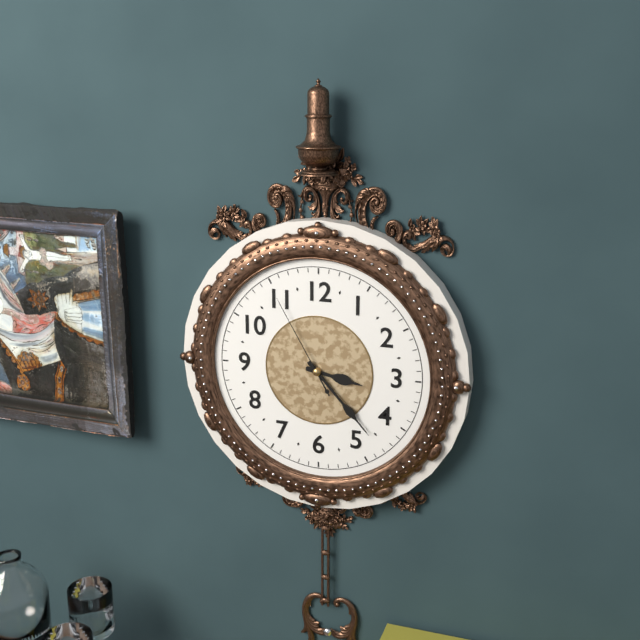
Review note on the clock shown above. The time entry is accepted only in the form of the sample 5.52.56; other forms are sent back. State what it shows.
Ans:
3.23.55
